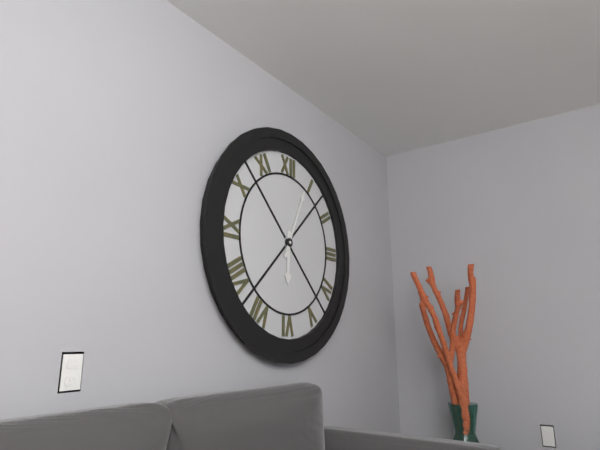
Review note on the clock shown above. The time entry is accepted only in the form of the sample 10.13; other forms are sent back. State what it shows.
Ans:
6.04
